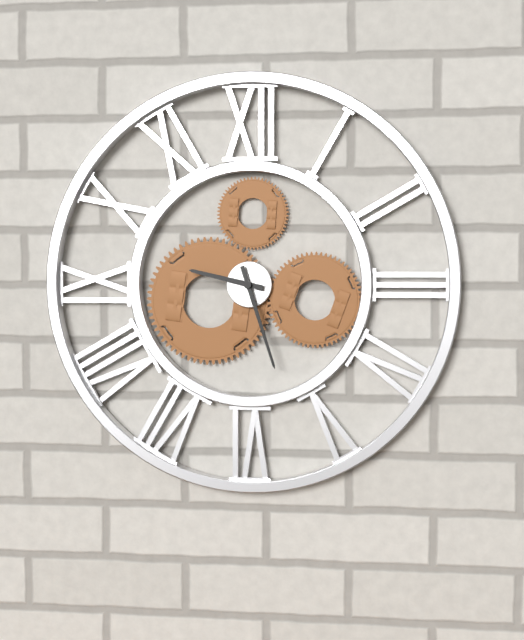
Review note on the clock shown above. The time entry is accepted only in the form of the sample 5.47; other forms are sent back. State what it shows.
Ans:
9.27
